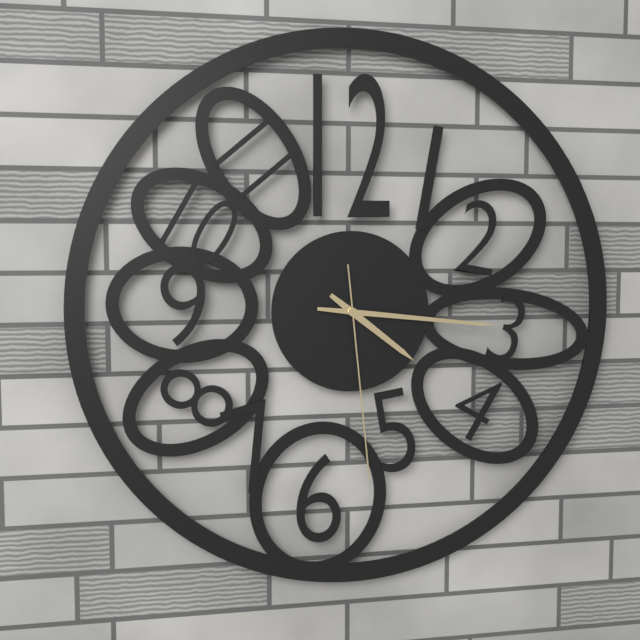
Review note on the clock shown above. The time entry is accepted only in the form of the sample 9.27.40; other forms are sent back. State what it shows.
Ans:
4.16.29
